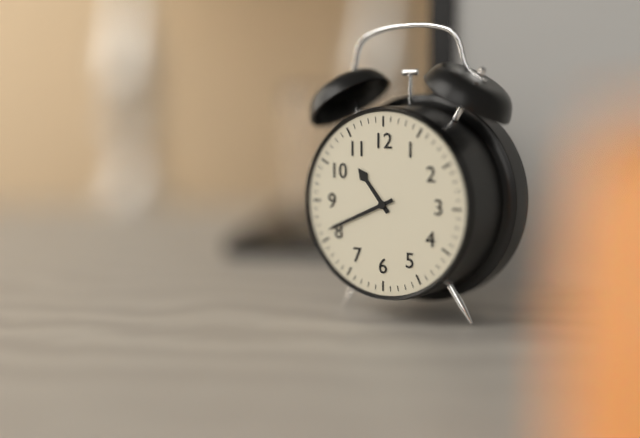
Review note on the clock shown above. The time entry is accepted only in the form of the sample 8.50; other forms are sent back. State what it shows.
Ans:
10.41
